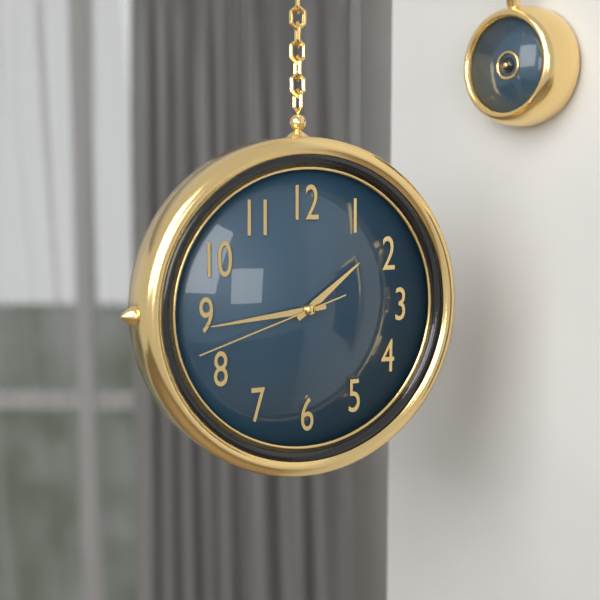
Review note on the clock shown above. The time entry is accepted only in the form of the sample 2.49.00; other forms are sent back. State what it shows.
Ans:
1.44.42
